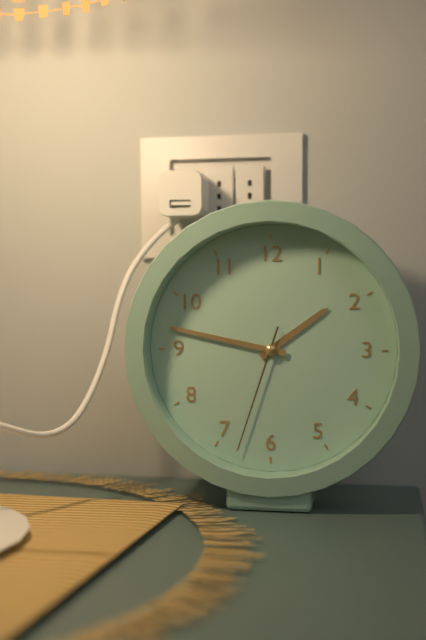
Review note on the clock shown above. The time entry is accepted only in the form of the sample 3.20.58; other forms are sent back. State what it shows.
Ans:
1.47.33
